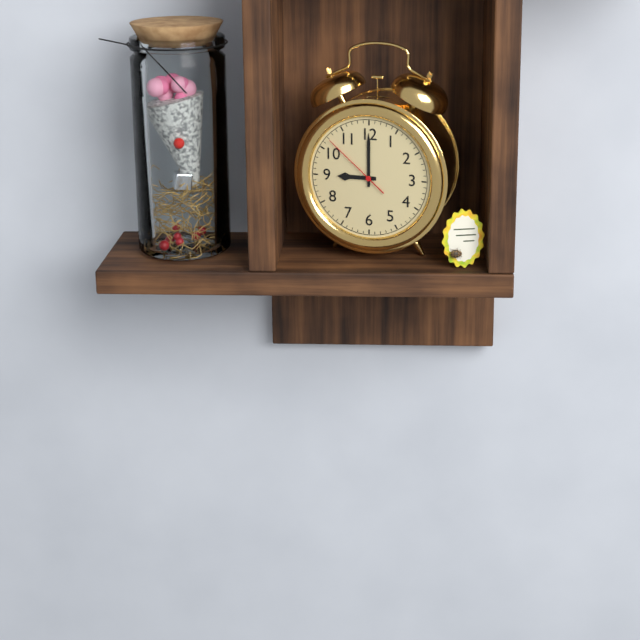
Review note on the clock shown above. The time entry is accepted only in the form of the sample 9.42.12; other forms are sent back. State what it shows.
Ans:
9.00.52
